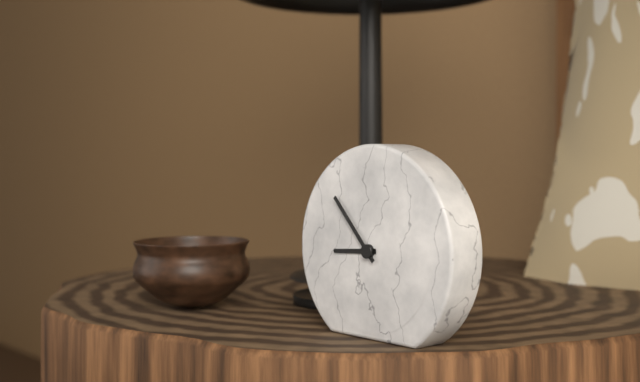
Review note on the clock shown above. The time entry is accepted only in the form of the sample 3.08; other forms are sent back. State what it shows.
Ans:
8.53
